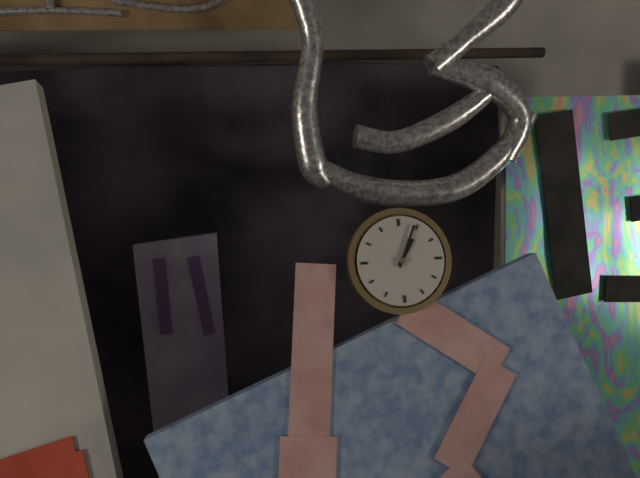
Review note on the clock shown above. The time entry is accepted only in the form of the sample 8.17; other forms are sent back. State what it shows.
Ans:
1.04
